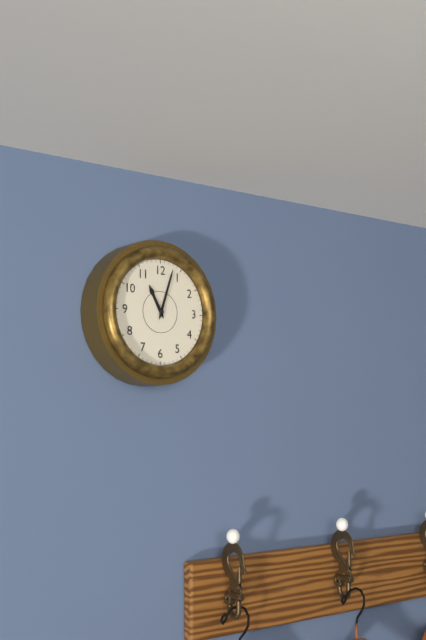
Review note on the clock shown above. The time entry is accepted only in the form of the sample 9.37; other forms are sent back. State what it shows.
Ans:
11.03
